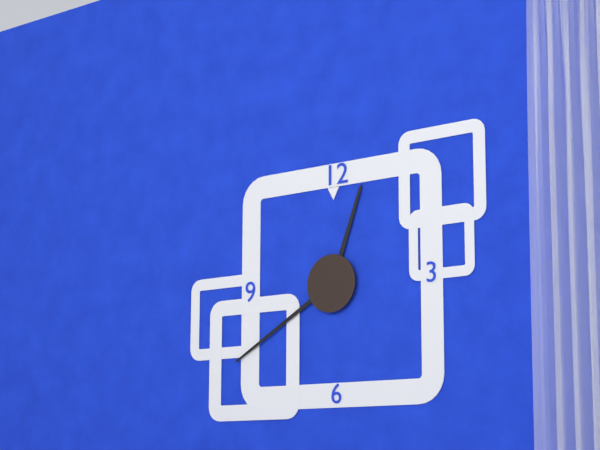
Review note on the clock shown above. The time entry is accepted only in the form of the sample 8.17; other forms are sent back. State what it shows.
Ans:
12.40
